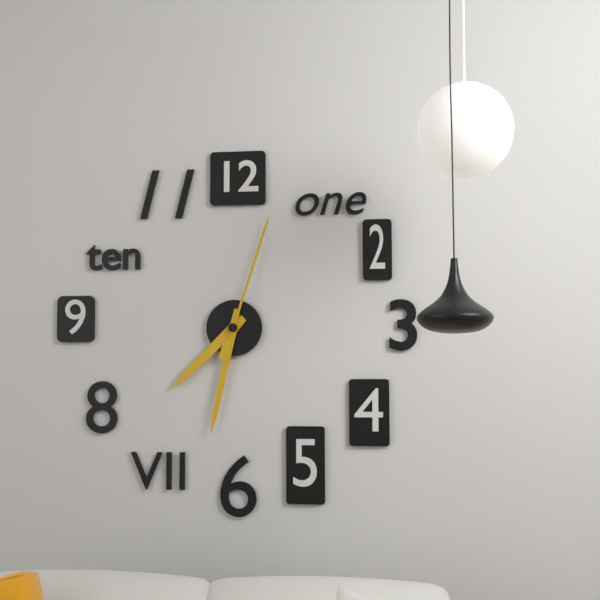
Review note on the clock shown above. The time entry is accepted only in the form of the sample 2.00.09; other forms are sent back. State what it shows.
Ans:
7.32.03
